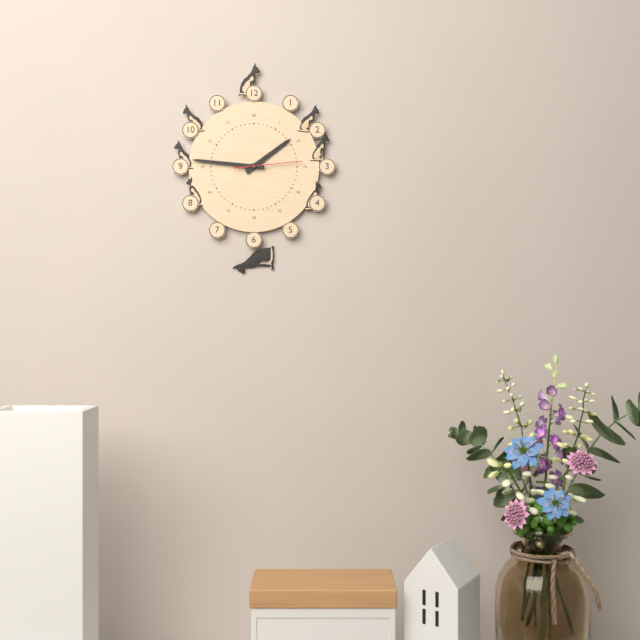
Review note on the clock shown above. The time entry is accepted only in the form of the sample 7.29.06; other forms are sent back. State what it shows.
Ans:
1.46.14
